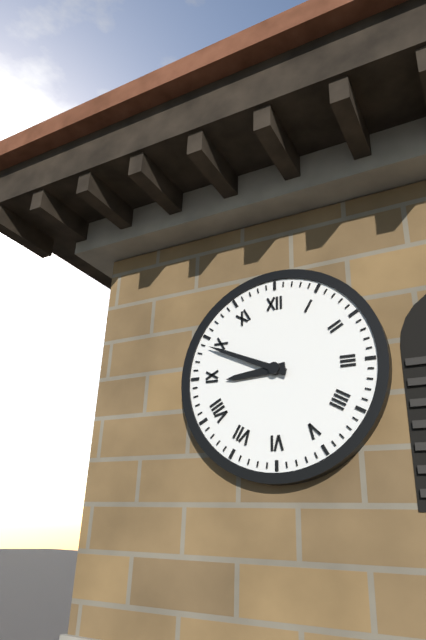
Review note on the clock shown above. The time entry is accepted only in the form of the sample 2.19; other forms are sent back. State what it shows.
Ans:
8.49
